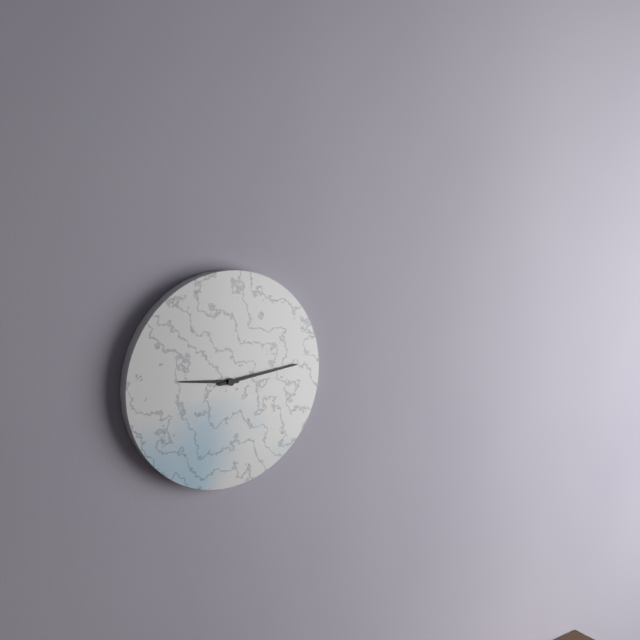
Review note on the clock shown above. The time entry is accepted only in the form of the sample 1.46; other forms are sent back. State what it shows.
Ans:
9.14
